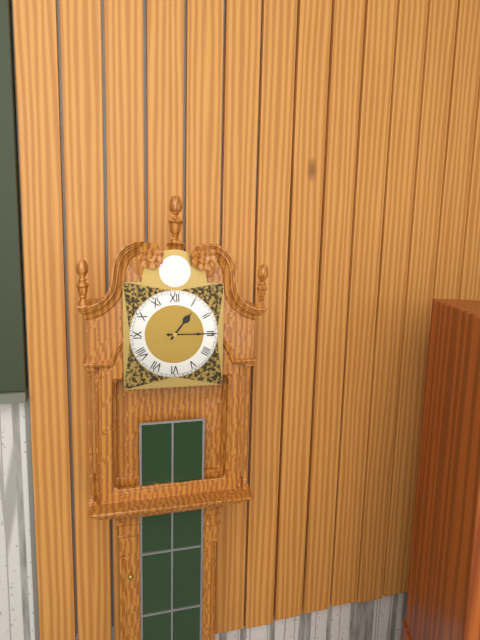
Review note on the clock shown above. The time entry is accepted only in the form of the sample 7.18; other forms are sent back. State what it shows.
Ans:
1.15
